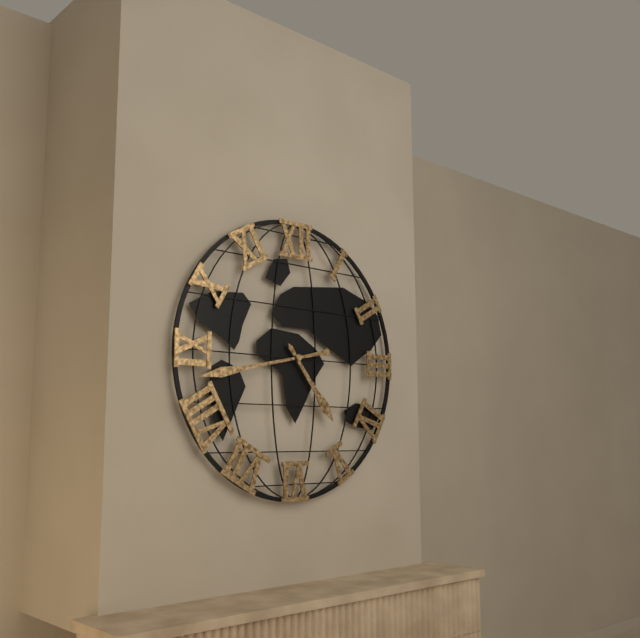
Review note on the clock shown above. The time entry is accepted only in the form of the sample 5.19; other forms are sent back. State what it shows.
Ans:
4.43
